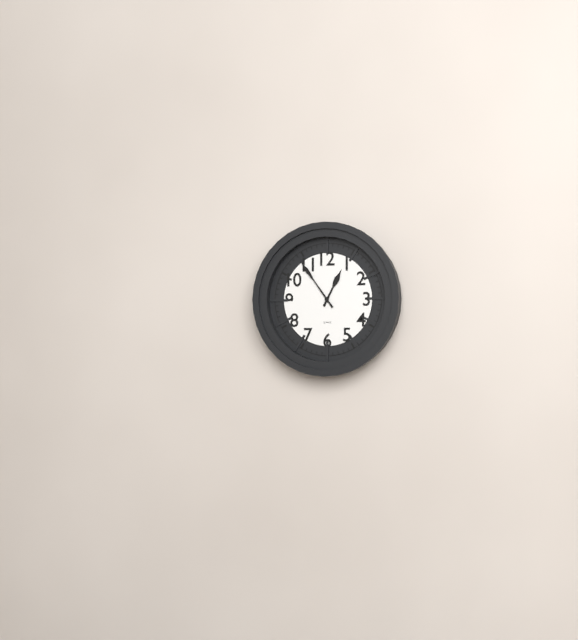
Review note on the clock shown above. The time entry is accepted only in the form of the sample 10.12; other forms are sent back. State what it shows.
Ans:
12.54
